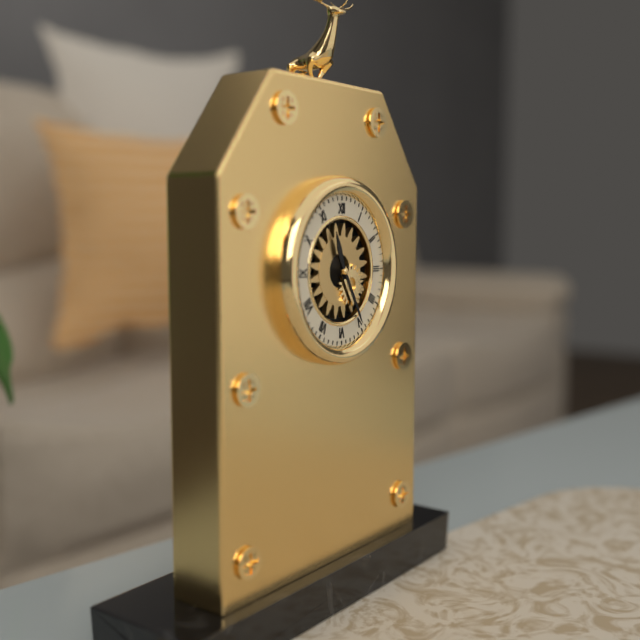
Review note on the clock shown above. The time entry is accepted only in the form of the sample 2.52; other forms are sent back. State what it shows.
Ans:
11.25
